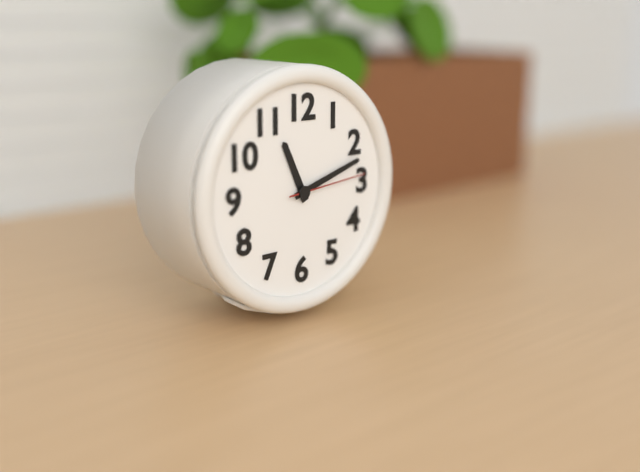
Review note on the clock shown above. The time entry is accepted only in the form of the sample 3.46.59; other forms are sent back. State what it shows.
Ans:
11.12.14
